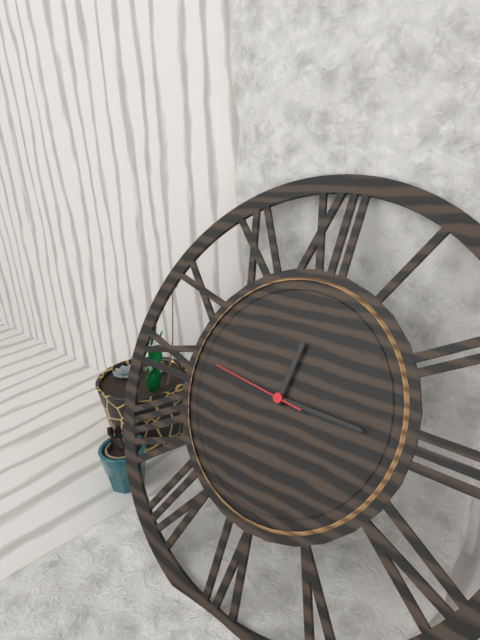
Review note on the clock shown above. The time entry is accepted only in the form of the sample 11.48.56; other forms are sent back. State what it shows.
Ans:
12.15.46
